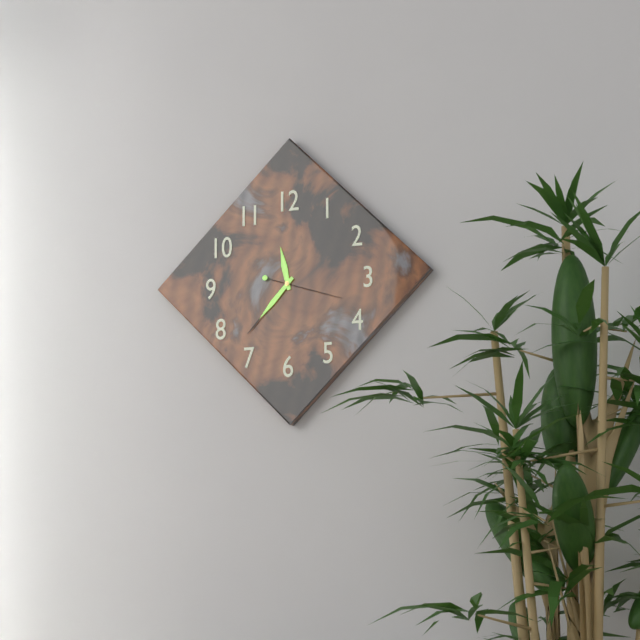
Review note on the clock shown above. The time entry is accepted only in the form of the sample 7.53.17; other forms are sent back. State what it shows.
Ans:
11.37.18
